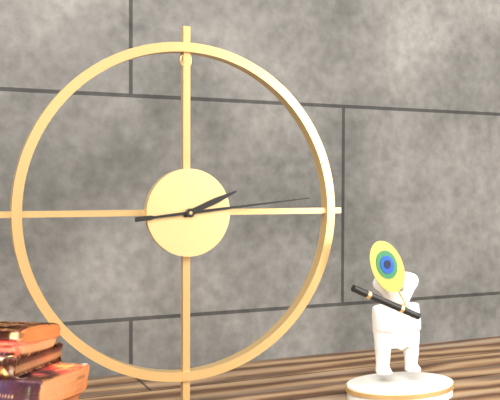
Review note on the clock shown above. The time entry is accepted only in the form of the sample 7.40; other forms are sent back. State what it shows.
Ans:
2.14
